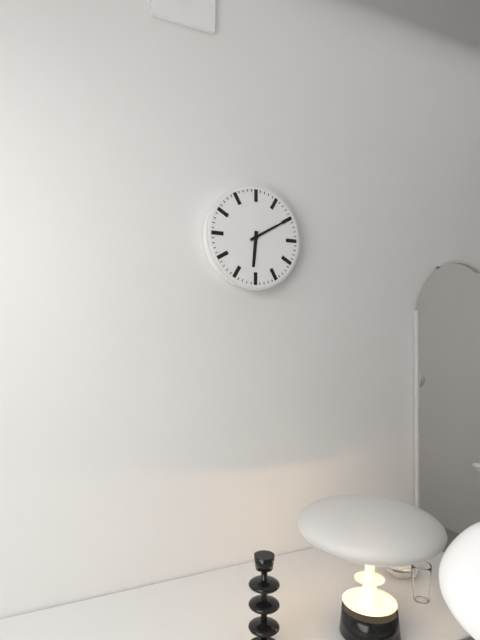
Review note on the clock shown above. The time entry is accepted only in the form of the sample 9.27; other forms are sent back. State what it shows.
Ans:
6.10
